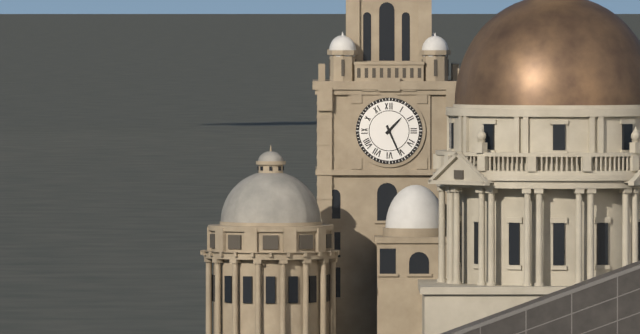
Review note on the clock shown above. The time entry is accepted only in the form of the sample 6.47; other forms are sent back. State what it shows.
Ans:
1.26
